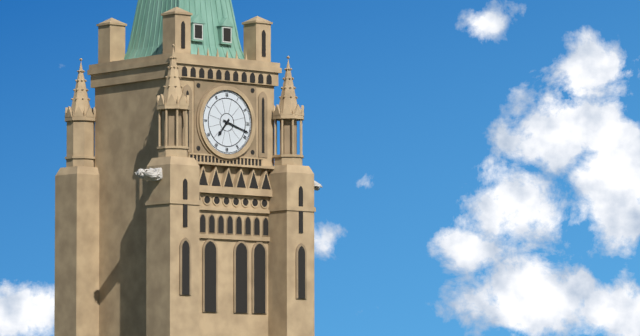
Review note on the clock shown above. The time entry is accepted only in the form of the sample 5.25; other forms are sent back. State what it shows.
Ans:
7.18
